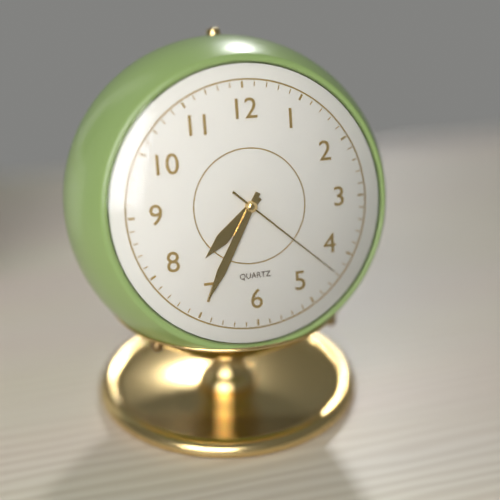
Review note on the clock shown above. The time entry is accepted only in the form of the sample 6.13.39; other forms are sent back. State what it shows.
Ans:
7.35.22
